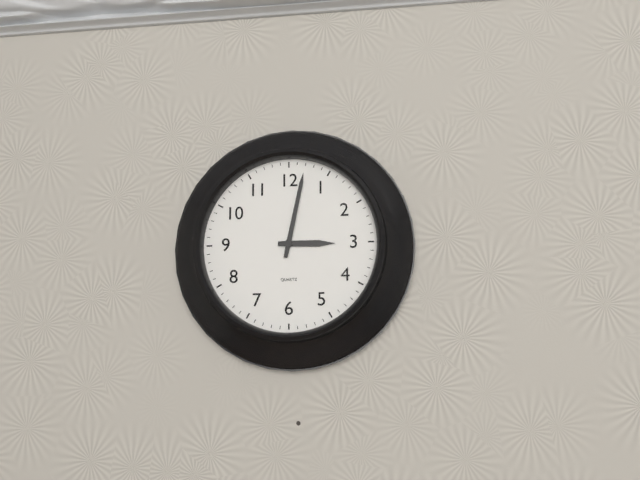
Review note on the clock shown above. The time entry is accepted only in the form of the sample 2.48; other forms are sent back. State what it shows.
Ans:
3.02
